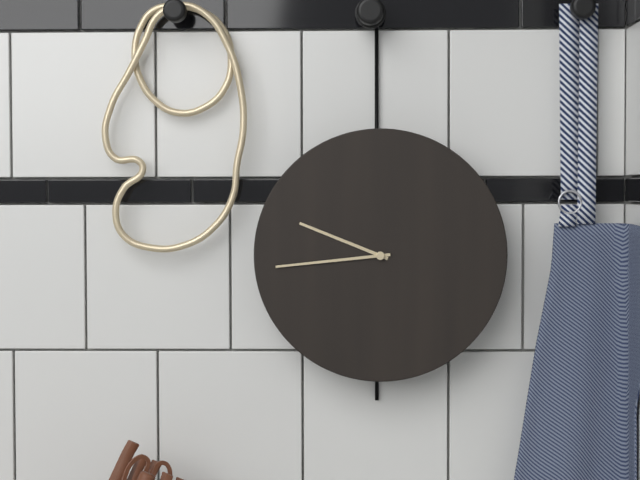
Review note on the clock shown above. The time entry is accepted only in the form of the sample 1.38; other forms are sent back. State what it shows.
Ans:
9.44
